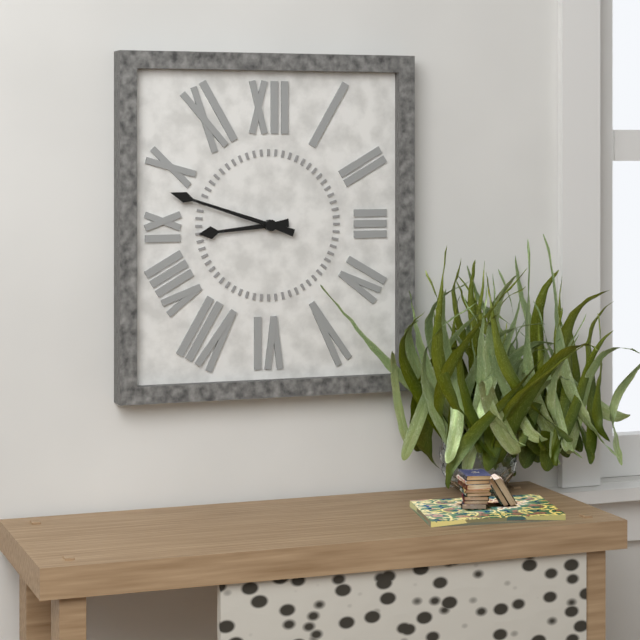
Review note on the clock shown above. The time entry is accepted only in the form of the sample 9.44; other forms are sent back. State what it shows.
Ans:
8.48
